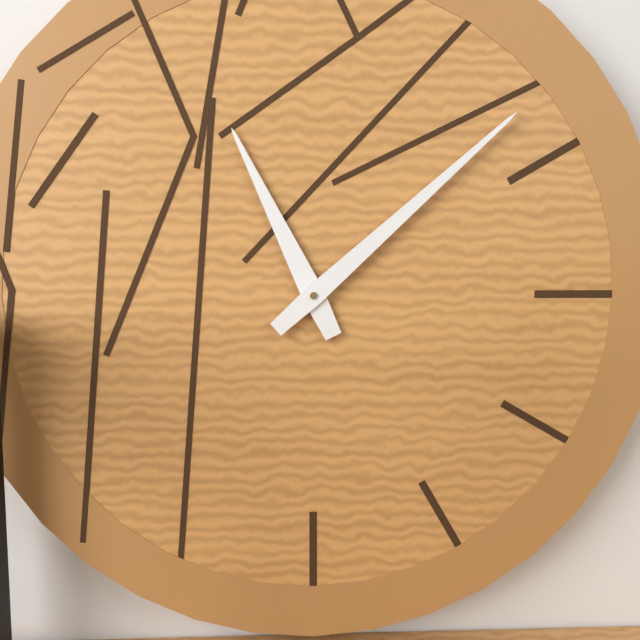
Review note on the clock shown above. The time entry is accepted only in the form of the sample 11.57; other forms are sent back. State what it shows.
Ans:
11.08
